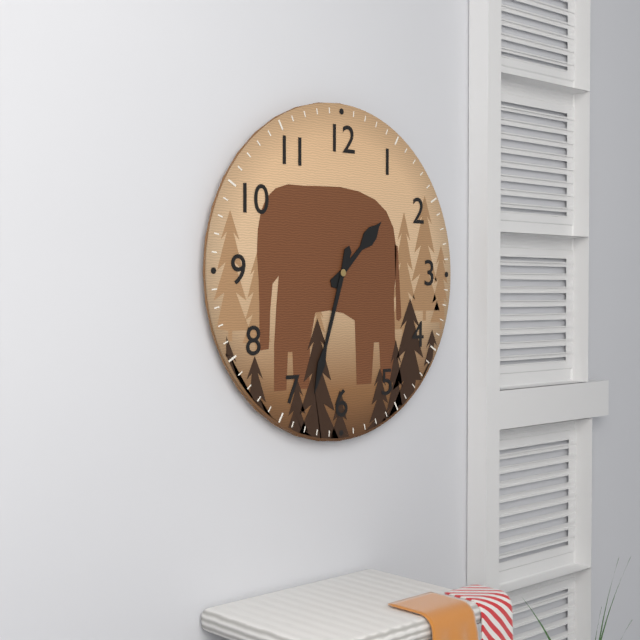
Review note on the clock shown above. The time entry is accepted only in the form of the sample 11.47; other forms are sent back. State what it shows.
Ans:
1.33
